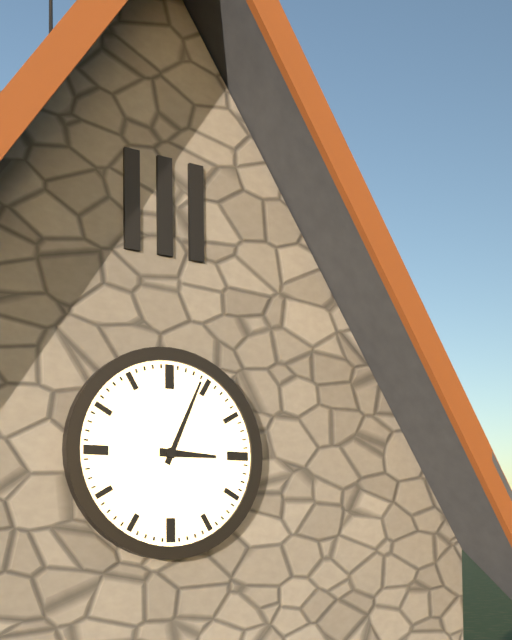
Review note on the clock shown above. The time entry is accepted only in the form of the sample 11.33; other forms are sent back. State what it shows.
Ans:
3.04
